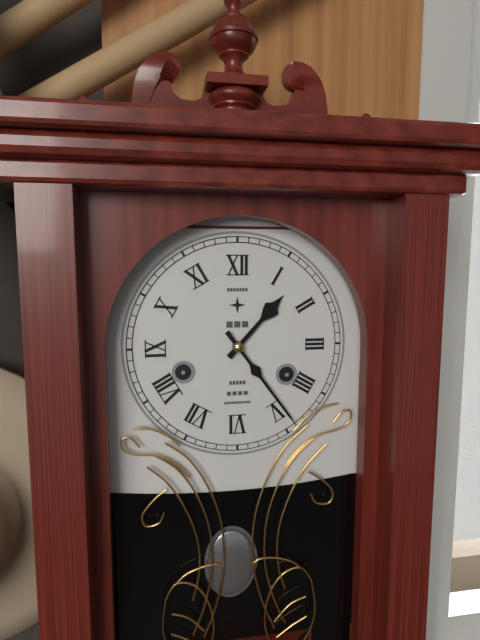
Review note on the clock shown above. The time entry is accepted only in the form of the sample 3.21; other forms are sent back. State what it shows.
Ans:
1.24
